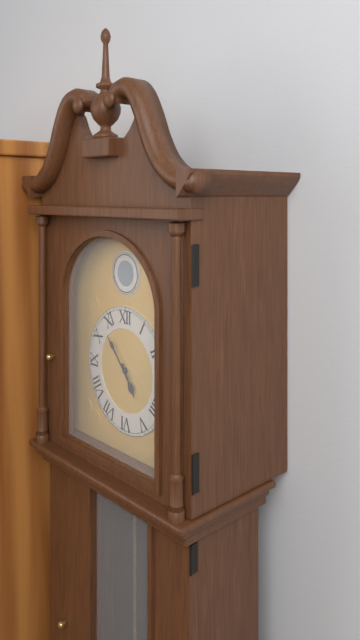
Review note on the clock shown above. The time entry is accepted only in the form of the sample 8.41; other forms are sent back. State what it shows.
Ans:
4.53
